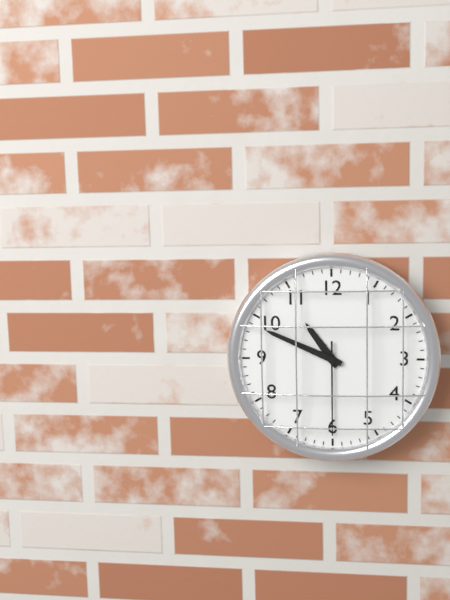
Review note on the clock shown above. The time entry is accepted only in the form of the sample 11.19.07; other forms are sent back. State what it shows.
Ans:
10.49.30
